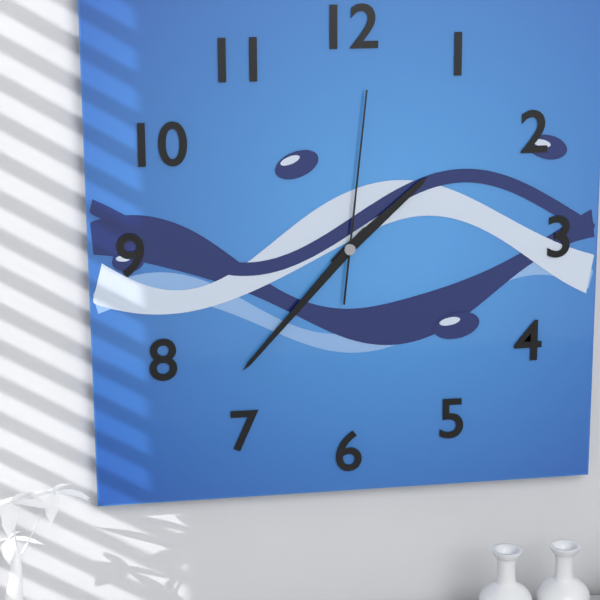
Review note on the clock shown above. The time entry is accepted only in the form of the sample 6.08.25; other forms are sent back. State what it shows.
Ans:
1.37.01
